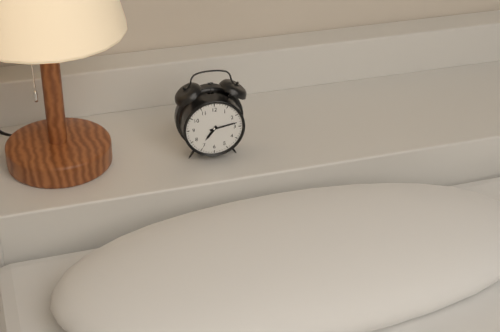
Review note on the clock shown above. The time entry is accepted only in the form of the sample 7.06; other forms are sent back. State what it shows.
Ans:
7.13
